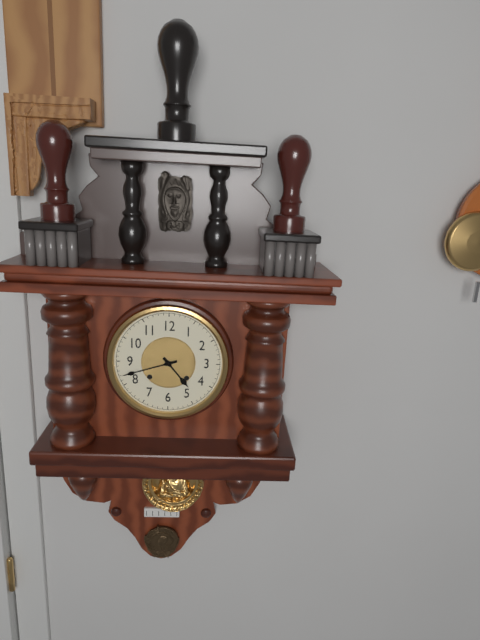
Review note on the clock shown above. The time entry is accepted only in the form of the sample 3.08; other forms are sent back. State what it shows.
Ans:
4.42
